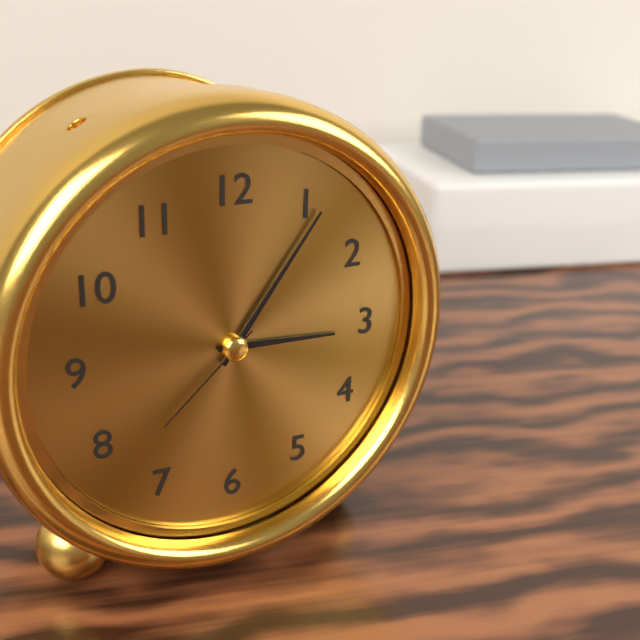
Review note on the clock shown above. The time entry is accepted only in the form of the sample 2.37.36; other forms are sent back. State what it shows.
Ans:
3.06.38
